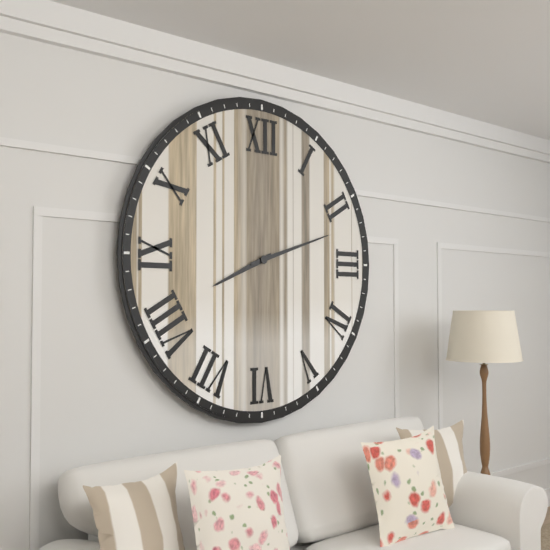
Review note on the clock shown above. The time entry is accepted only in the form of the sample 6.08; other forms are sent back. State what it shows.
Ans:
8.12
